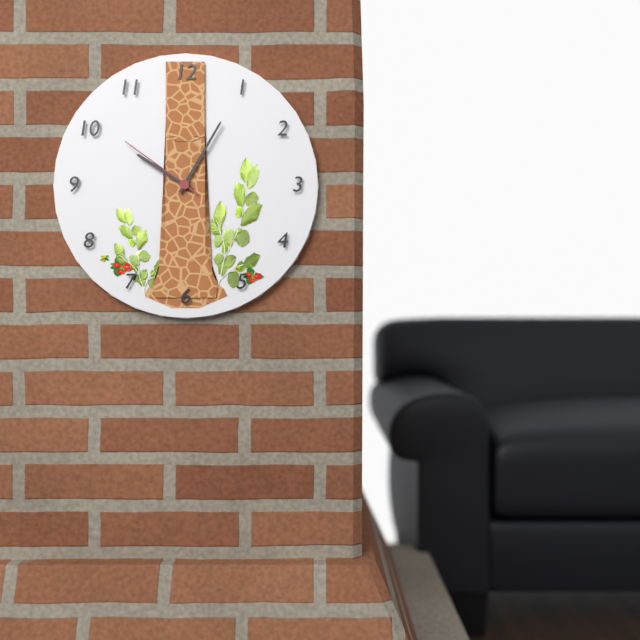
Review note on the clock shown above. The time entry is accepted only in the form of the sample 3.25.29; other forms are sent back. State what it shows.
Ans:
10.05.51
